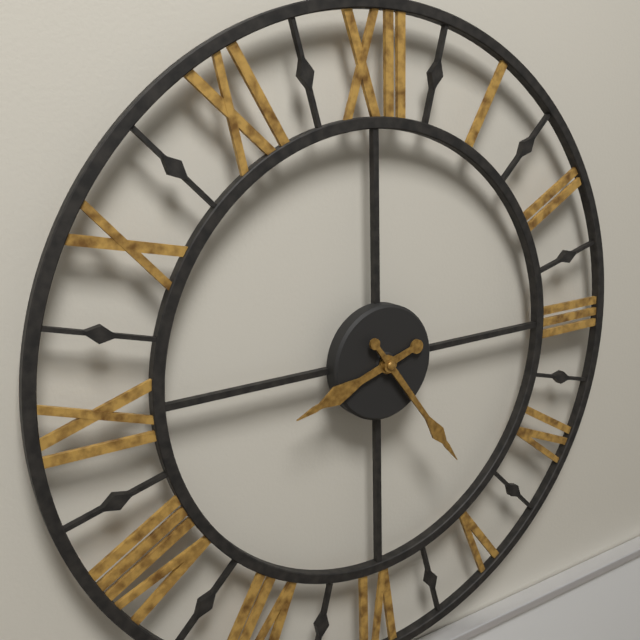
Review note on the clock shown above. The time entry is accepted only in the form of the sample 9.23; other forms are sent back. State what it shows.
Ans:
8.24
